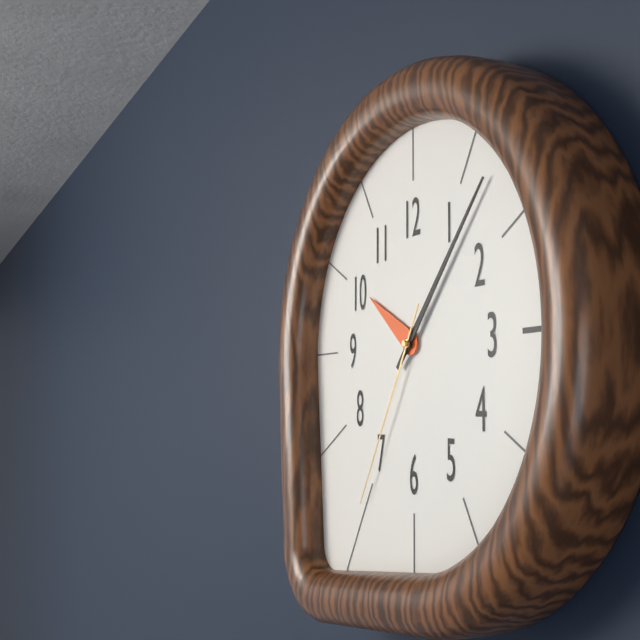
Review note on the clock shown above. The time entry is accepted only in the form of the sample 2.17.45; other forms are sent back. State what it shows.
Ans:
10.07.35
